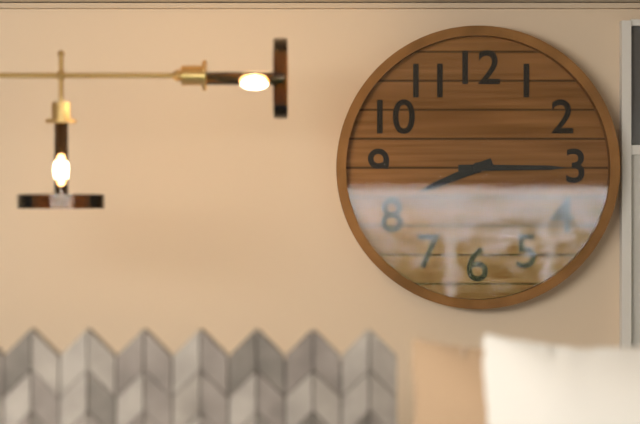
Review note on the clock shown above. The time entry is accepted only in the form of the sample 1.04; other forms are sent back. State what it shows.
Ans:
8.15
